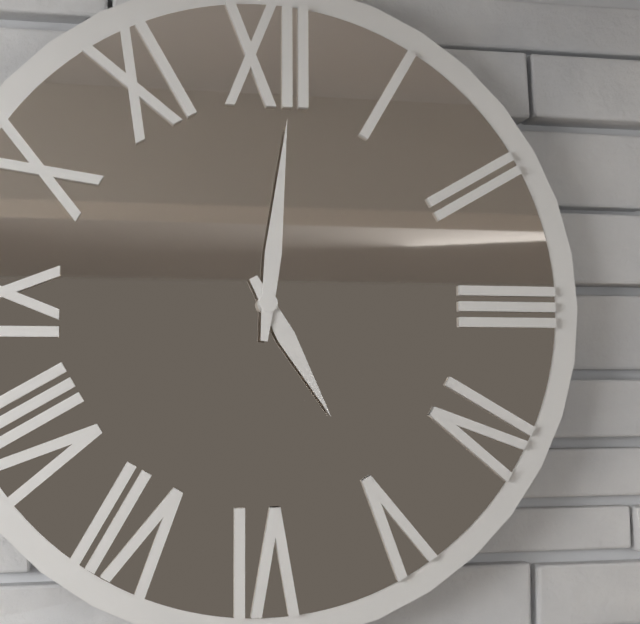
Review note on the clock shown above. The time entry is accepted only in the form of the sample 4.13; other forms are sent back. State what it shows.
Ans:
5.01
